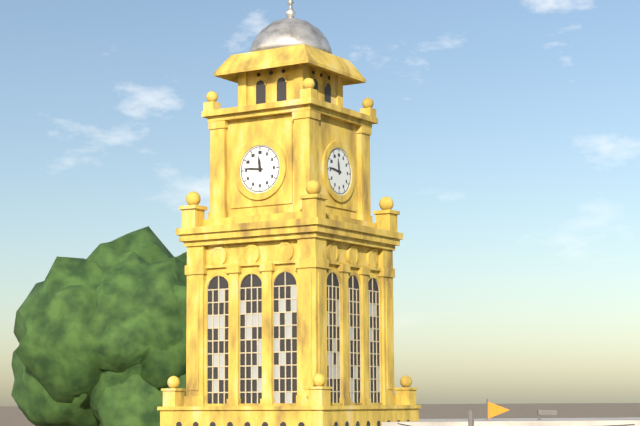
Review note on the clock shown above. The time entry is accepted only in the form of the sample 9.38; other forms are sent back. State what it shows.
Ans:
11.46
